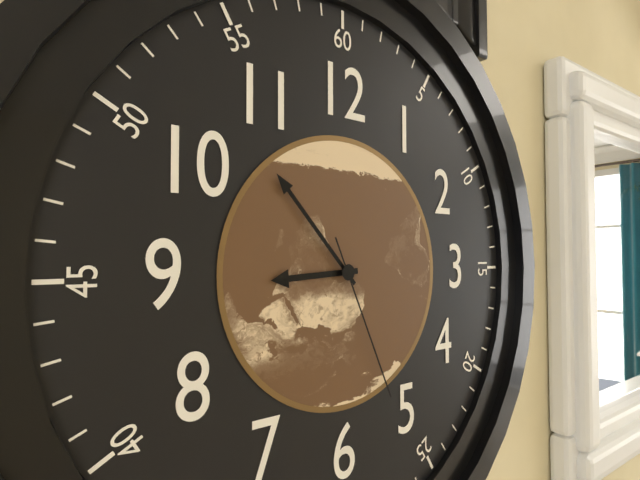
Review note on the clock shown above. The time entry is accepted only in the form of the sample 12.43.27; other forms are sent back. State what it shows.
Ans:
8.53.26
